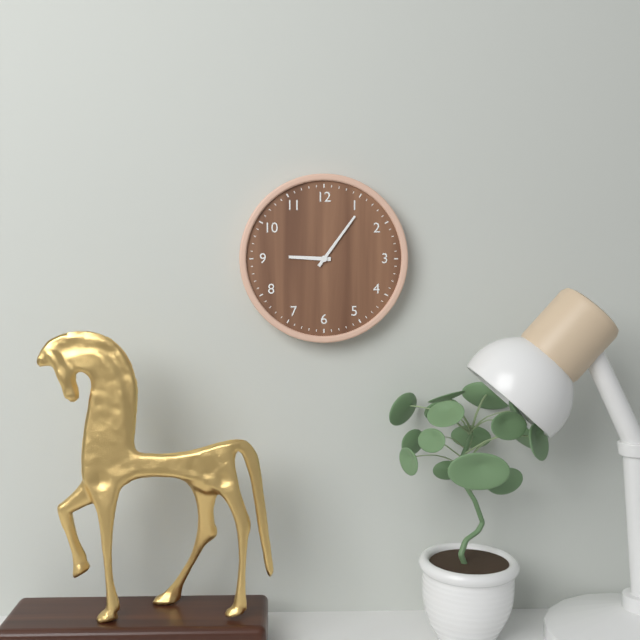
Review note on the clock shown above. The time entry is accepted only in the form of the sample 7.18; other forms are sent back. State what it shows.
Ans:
9.06
